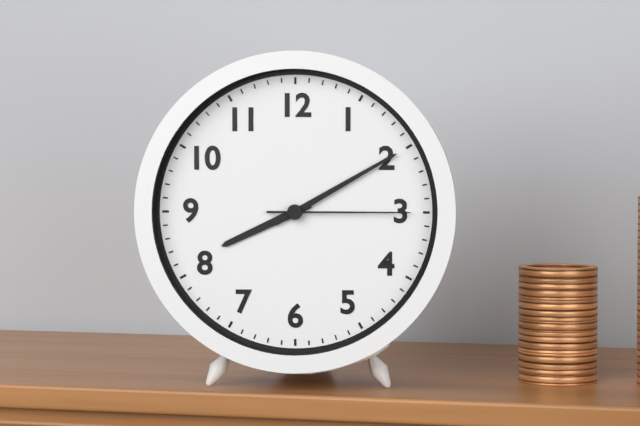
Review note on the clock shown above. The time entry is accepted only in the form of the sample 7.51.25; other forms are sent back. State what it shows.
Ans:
8.10.15
